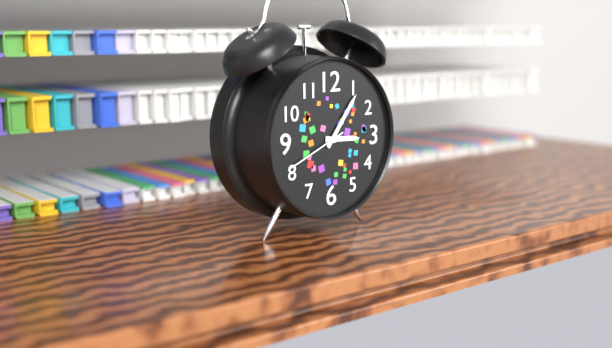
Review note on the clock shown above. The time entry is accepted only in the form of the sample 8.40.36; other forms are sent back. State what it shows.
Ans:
3.06.41
